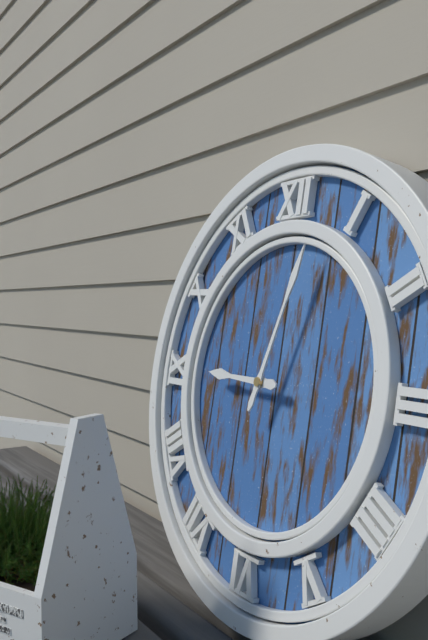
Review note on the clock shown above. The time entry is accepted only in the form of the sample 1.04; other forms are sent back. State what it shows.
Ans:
9.03
